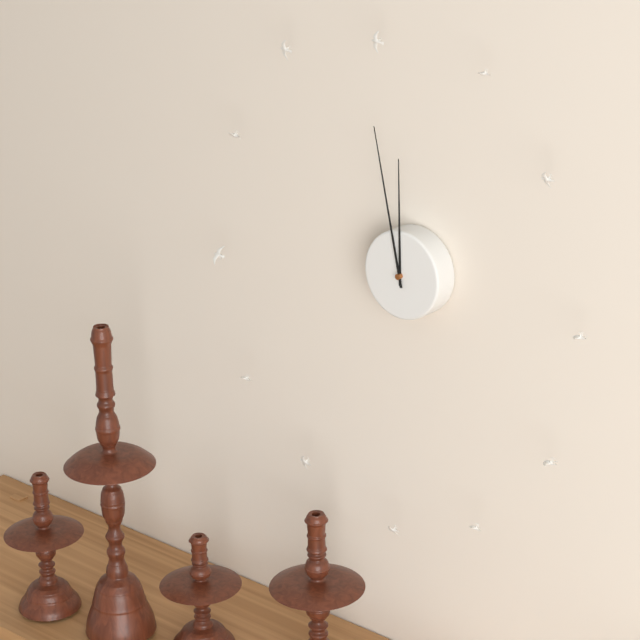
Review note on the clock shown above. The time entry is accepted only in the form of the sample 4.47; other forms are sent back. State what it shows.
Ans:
11.58
